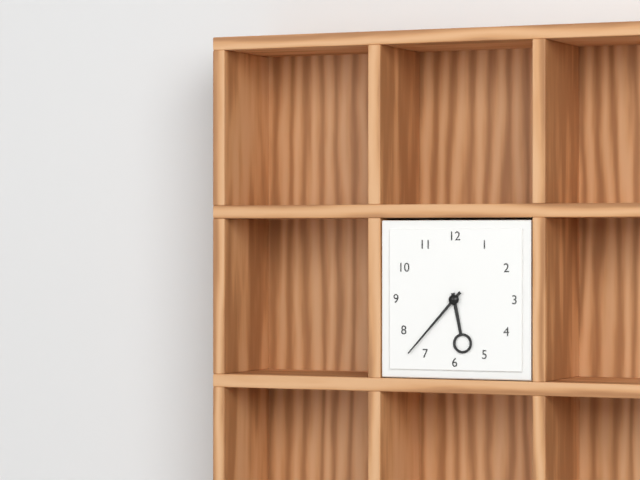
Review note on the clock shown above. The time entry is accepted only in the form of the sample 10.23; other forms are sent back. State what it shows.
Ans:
5.37
